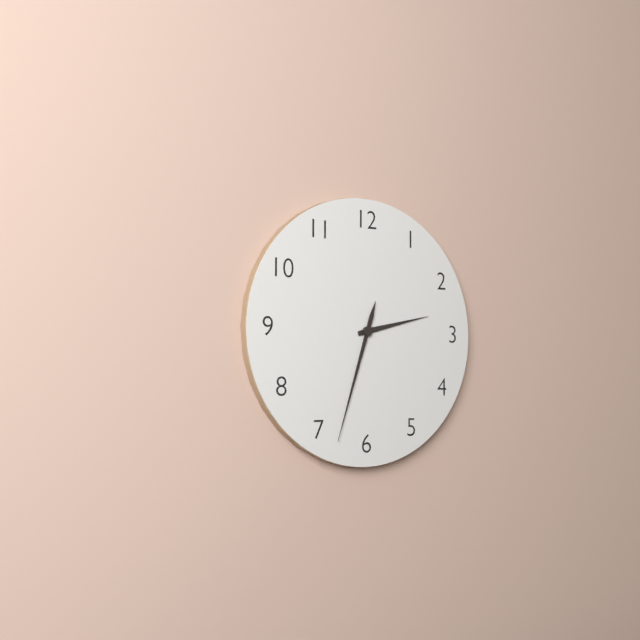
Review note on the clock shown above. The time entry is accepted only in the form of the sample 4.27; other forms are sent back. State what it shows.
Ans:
2.33
